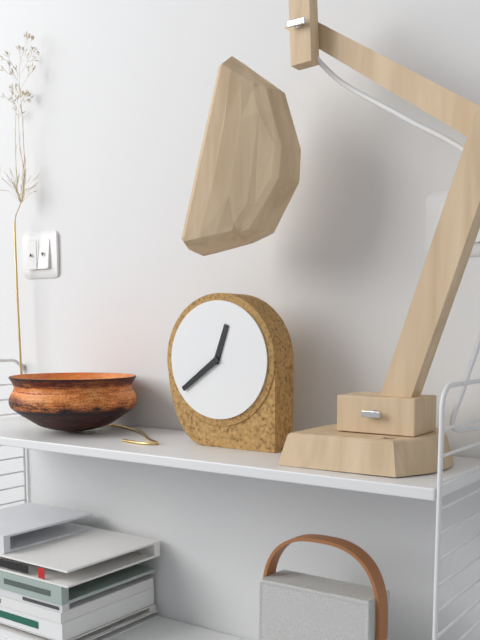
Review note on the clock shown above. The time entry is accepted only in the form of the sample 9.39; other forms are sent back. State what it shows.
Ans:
12.39
